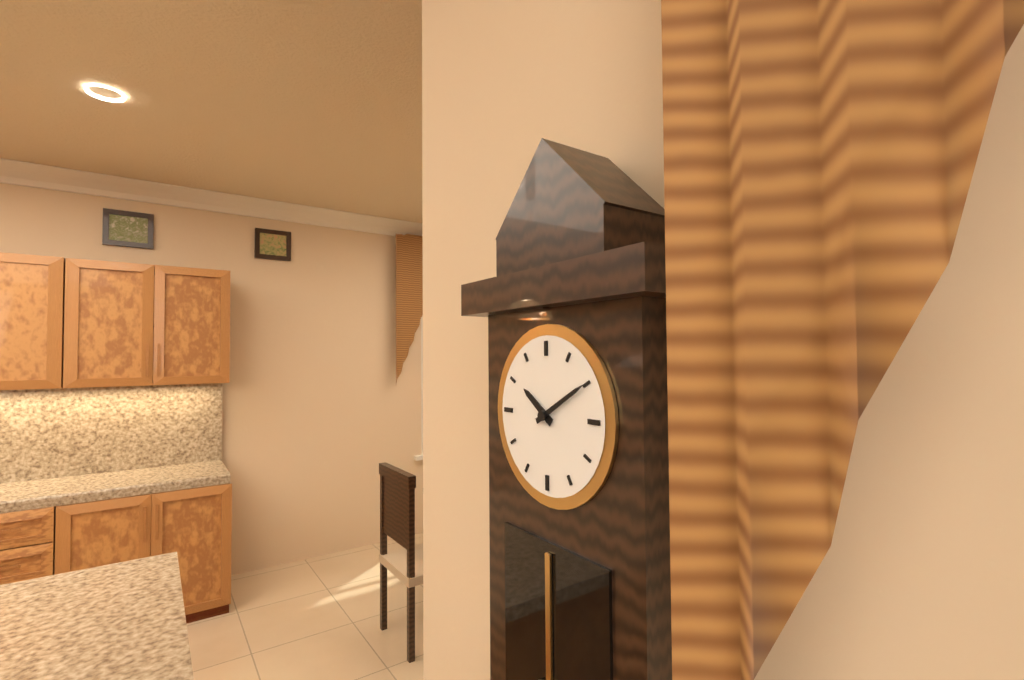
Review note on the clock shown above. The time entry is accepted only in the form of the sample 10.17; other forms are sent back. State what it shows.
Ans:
10.10
